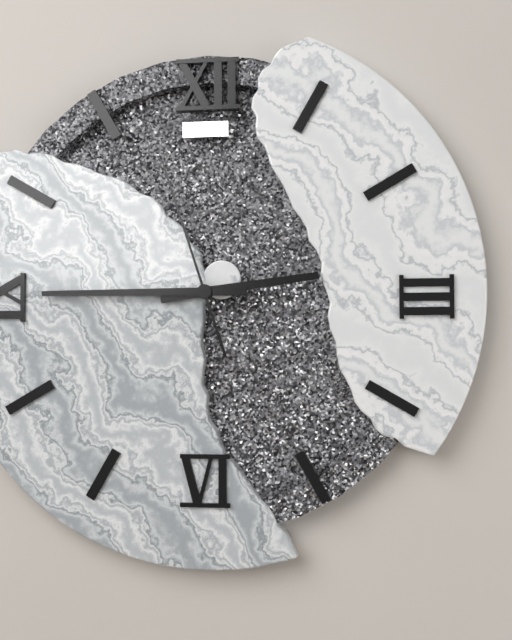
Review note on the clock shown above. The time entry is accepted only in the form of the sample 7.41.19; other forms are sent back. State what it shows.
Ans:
2.45.57
